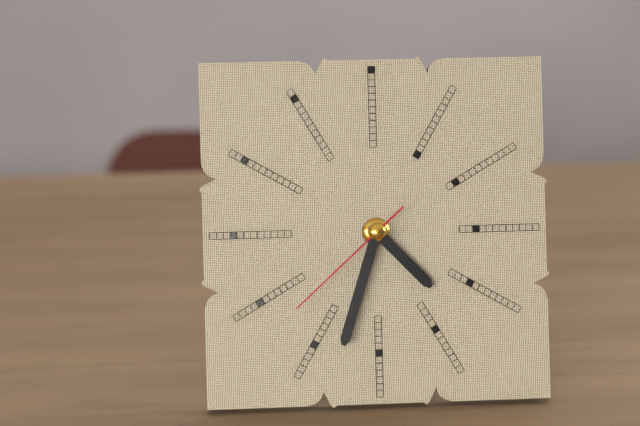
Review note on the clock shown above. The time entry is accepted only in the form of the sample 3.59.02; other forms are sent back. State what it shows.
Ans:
4.33.38
